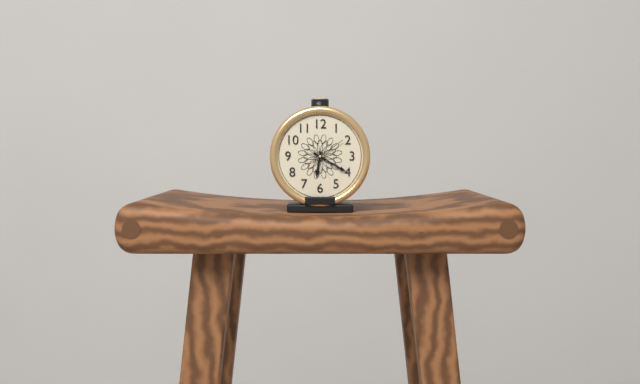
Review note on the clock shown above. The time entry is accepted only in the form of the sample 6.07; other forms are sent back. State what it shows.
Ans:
6.20
